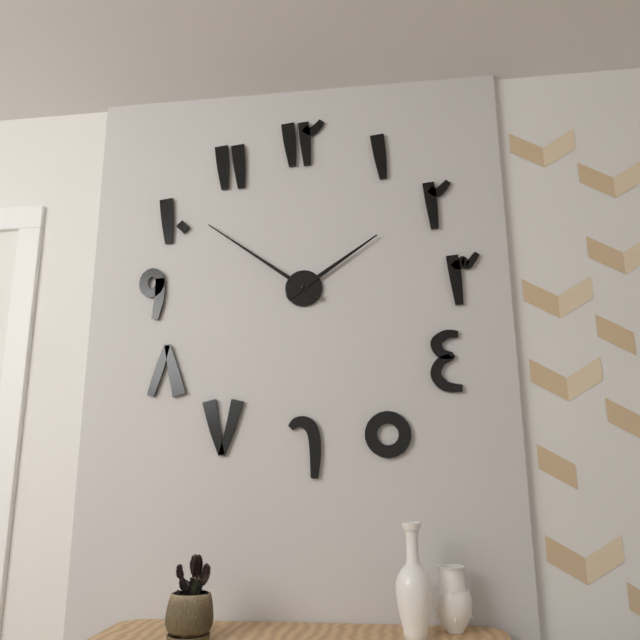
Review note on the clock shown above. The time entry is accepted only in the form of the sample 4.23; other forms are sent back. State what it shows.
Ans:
1.51
